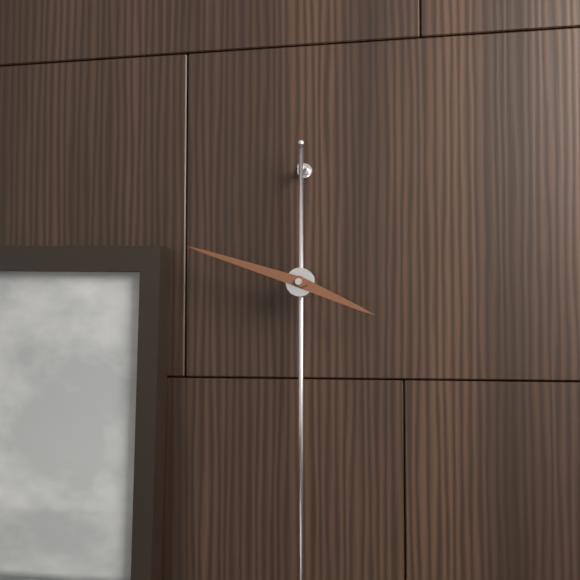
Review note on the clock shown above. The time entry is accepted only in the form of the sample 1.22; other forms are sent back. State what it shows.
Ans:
3.48
